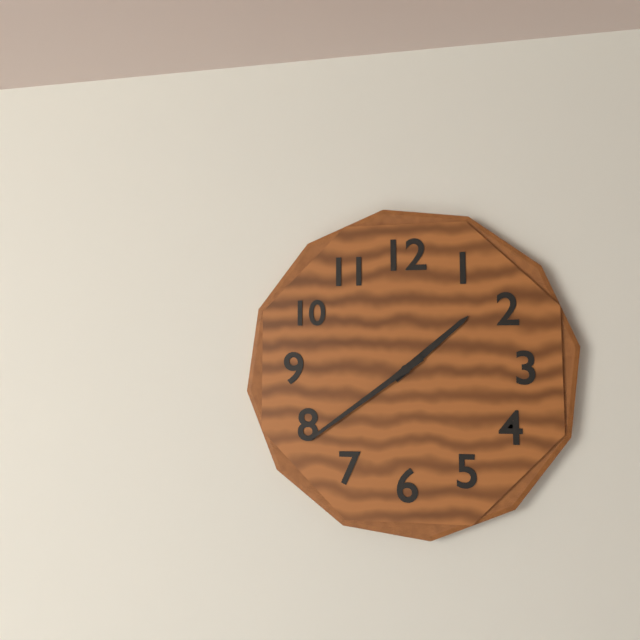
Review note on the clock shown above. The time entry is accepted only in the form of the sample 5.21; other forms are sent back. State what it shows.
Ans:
1.39
